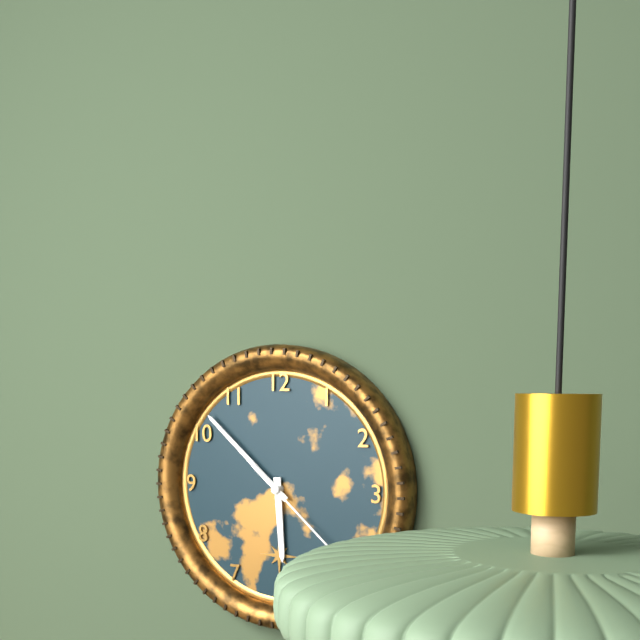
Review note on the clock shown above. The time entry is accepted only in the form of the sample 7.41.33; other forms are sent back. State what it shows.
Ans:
5.52.22
